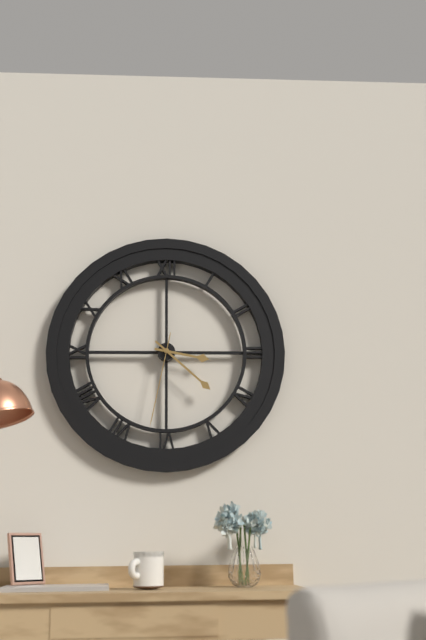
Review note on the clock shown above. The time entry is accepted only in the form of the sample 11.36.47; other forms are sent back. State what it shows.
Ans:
3.22.32
